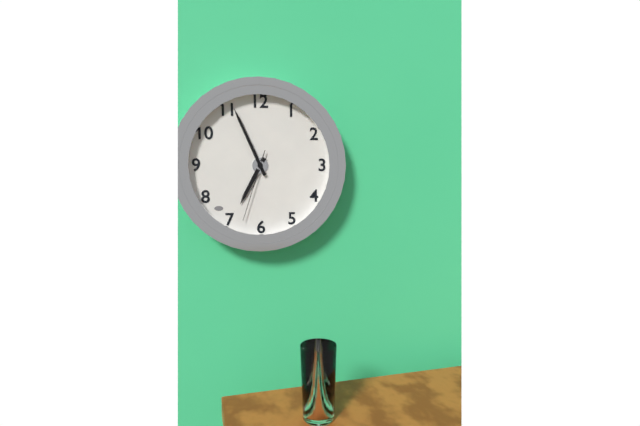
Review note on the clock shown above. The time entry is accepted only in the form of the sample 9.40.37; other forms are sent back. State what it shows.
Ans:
6.56.33
